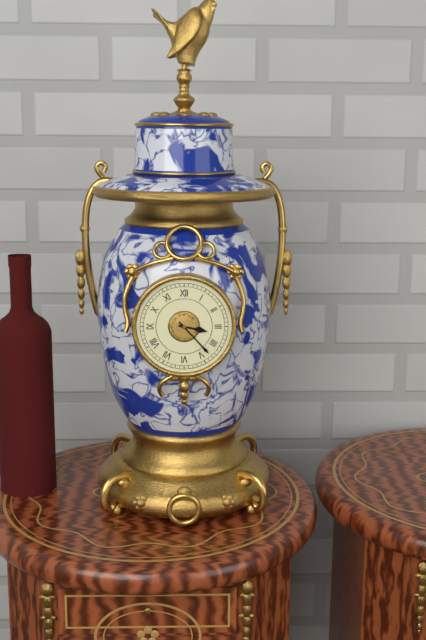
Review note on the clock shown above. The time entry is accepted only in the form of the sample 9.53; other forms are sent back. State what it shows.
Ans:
3.23
